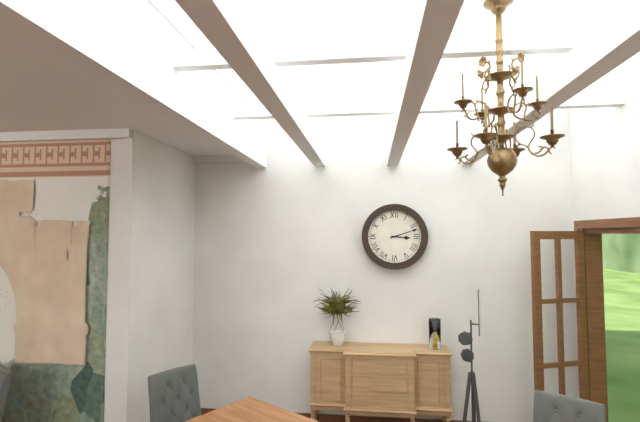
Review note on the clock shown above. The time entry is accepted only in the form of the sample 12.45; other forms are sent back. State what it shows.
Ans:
3.12
